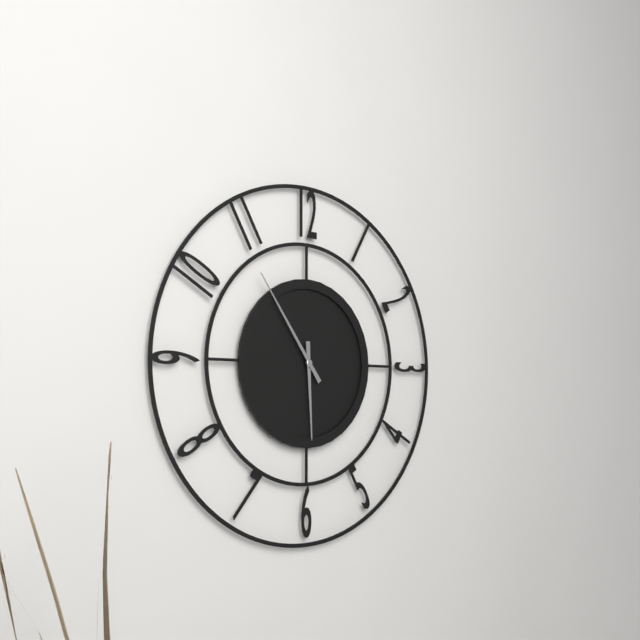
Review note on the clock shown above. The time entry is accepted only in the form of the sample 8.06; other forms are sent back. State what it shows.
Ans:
5.54
